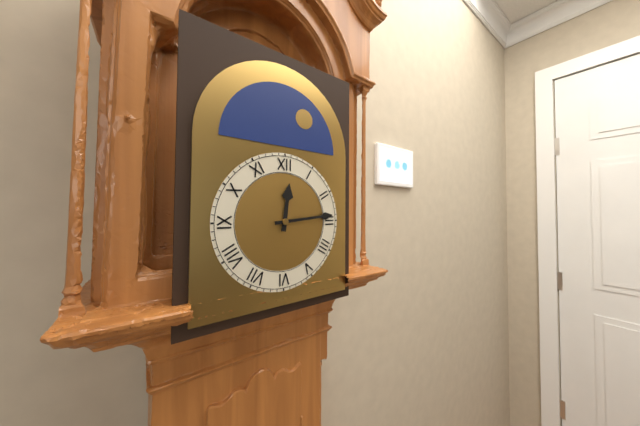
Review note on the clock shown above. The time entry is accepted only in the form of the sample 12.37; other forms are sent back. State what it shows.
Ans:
12.14
